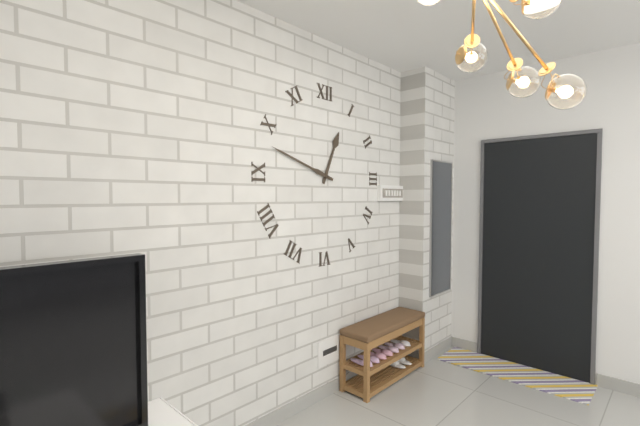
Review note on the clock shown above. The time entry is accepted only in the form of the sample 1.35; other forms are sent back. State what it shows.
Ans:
12.48
